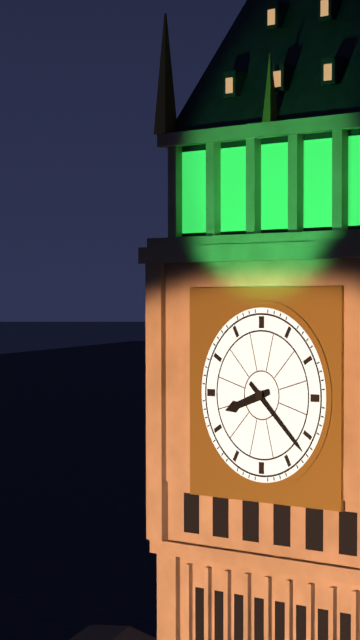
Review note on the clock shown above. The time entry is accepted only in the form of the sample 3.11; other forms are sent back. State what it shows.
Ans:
8.22
